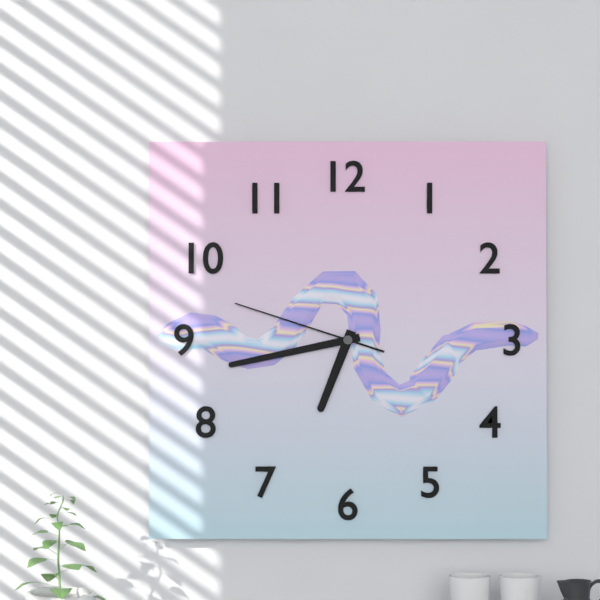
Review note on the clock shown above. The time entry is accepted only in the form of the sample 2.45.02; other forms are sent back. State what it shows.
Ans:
6.43.48
